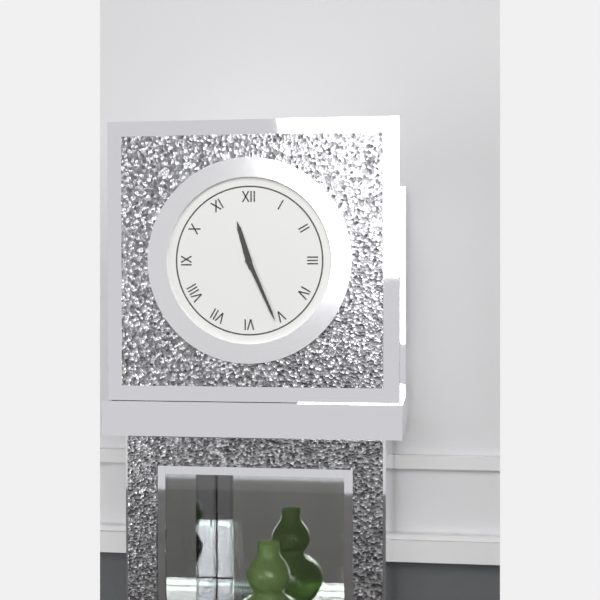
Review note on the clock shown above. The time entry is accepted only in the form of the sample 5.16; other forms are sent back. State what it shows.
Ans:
11.26
